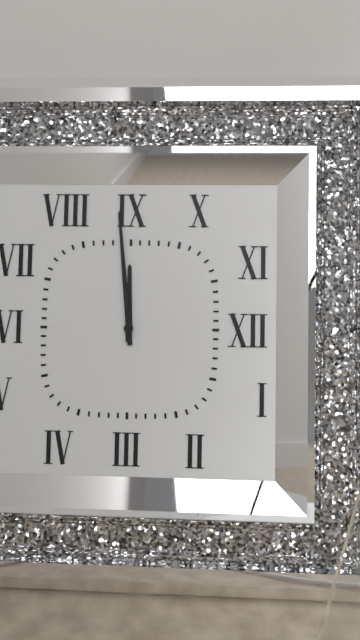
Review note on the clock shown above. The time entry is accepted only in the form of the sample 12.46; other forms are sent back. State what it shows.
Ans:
11.59
